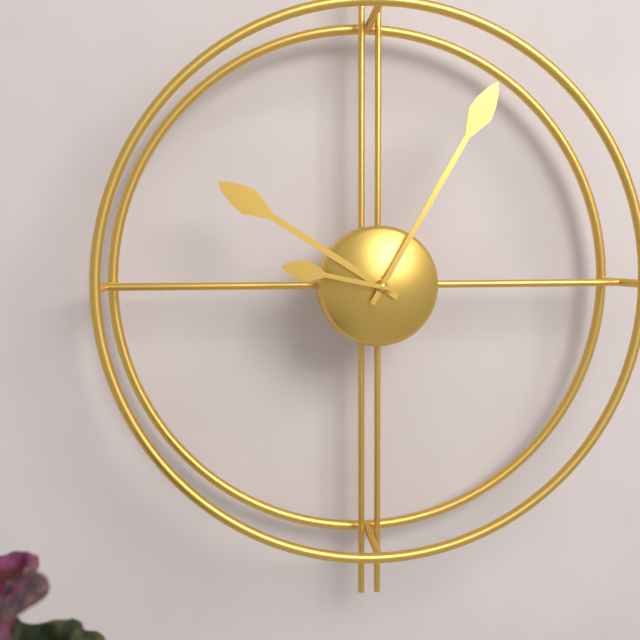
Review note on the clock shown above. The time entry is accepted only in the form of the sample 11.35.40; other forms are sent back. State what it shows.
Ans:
10.05.47
